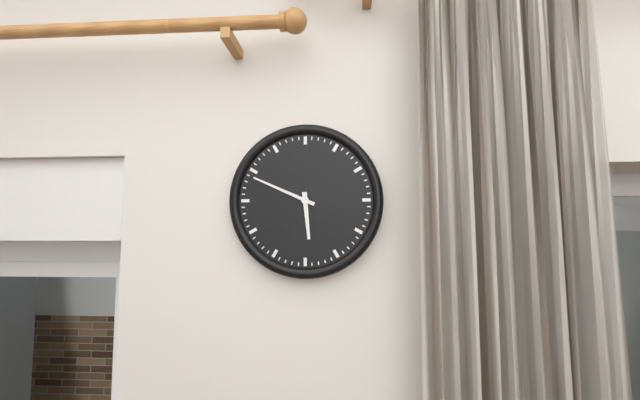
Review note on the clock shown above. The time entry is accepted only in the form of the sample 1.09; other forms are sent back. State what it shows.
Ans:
5.49
